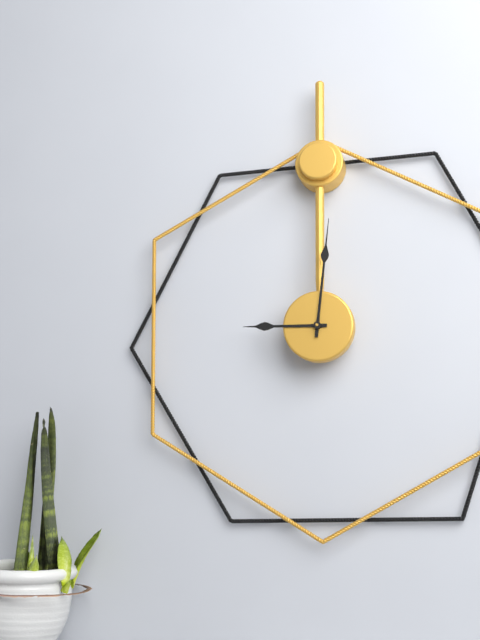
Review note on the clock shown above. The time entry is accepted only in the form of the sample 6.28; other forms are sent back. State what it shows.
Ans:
9.01
